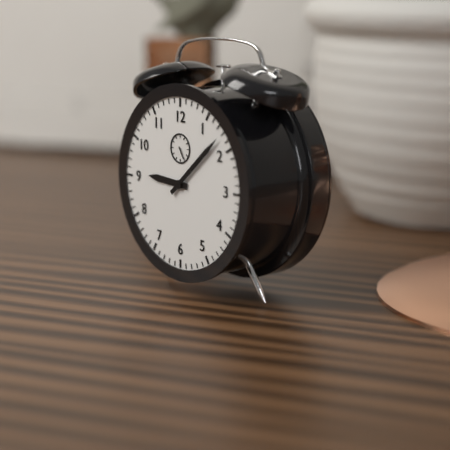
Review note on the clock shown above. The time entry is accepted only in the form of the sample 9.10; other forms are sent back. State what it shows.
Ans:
9.08
